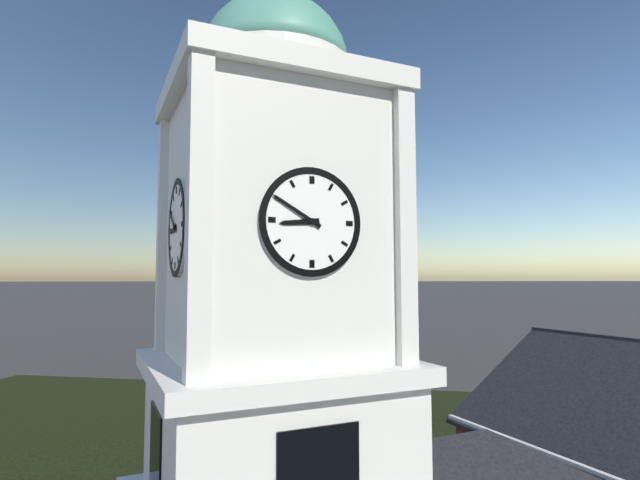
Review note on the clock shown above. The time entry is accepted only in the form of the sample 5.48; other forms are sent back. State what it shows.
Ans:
8.50
